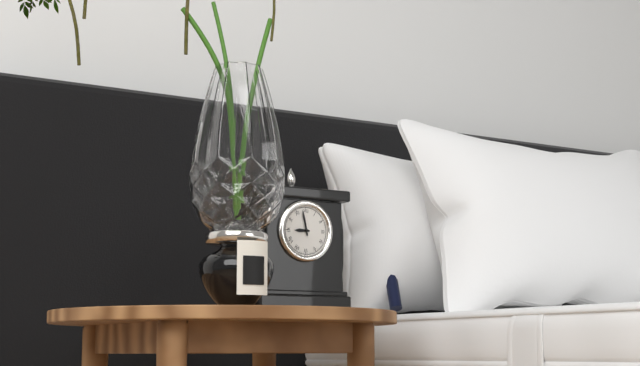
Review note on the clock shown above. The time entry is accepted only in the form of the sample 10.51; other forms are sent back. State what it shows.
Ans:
8.58
